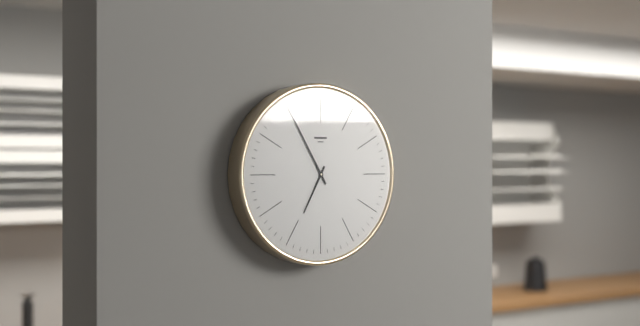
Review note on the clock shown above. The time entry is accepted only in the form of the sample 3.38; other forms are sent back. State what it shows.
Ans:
6.55
